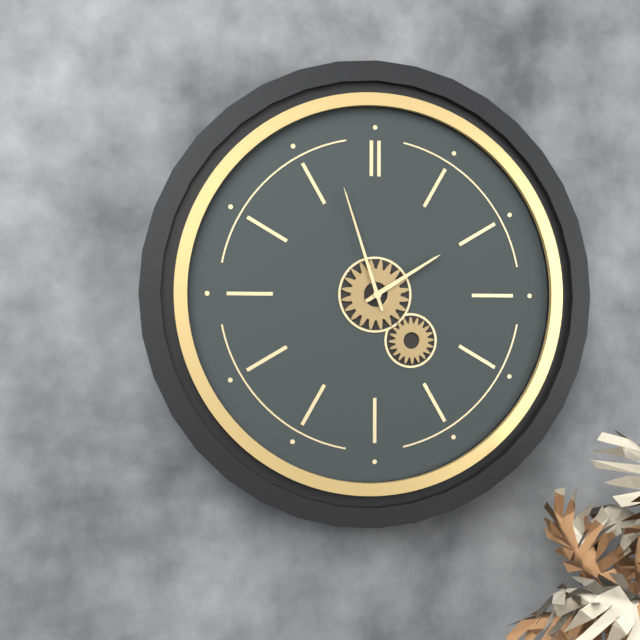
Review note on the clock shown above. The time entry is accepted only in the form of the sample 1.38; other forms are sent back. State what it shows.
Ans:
1.57
